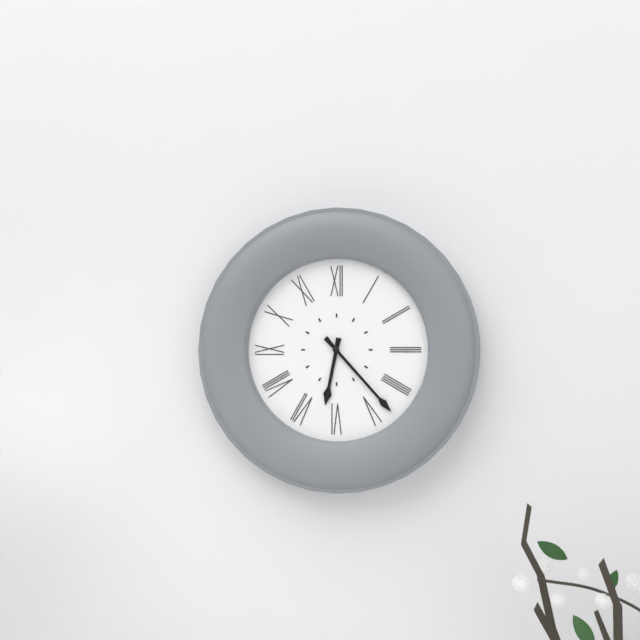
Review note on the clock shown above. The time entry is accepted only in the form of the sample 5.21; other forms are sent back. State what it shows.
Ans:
6.23
